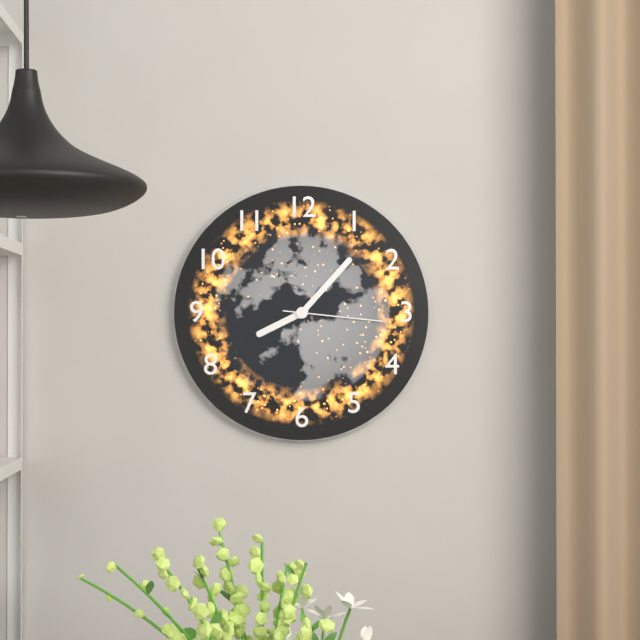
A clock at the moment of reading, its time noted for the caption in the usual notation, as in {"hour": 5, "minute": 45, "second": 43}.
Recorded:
{"hour": 8, "minute": 7, "second": 16}
